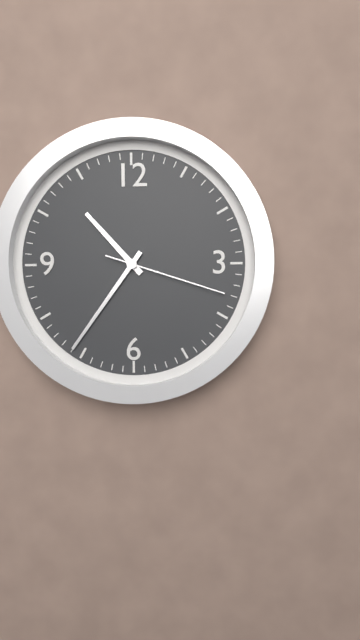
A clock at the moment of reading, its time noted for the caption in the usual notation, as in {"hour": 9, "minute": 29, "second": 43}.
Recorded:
{"hour": 10, "minute": 36, "second": 18}
